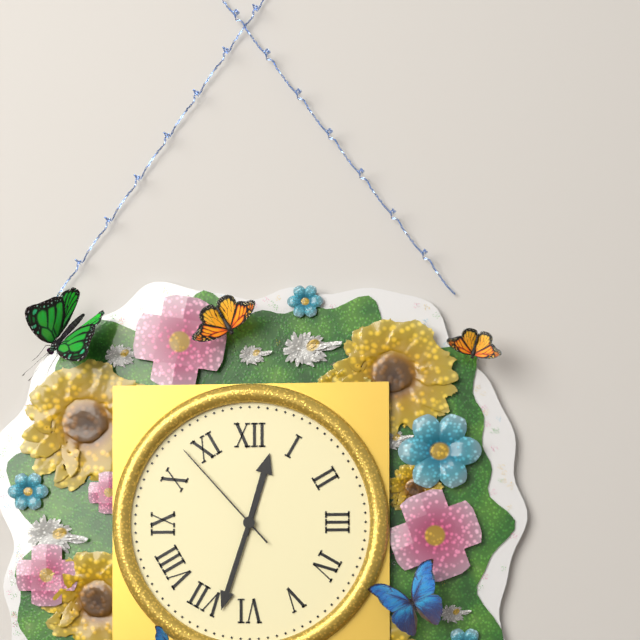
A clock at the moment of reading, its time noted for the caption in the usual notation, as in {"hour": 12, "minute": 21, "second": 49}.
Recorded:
{"hour": 12, "minute": 33, "second": 53}
